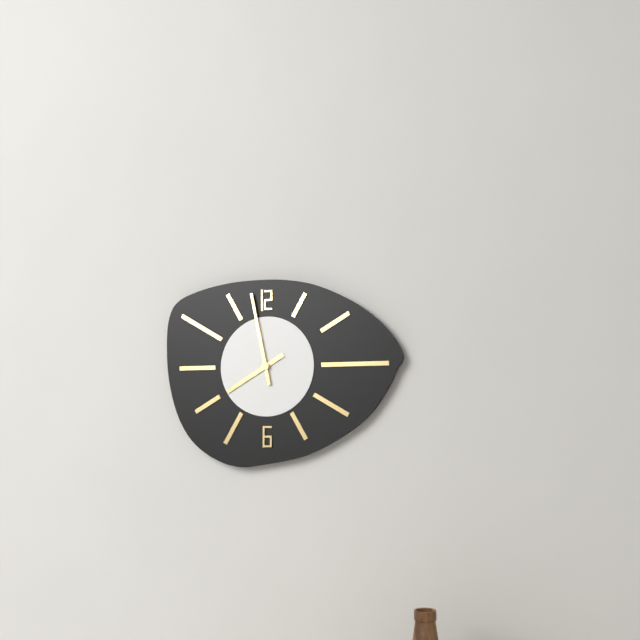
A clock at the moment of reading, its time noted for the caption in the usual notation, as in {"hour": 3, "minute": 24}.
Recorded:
{"hour": 7, "minute": 58}
